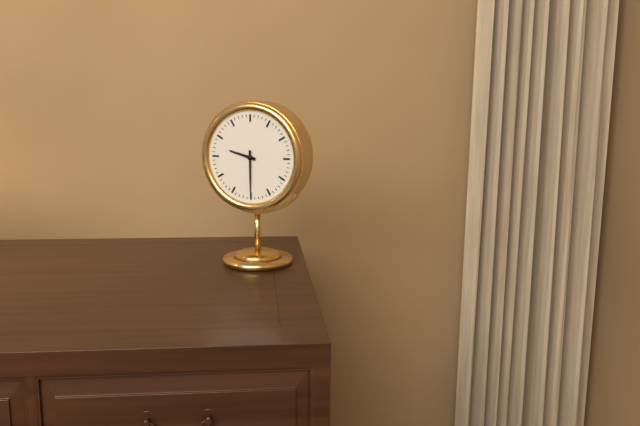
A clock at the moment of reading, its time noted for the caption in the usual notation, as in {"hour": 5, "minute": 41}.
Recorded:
{"hour": 9, "minute": 30}
